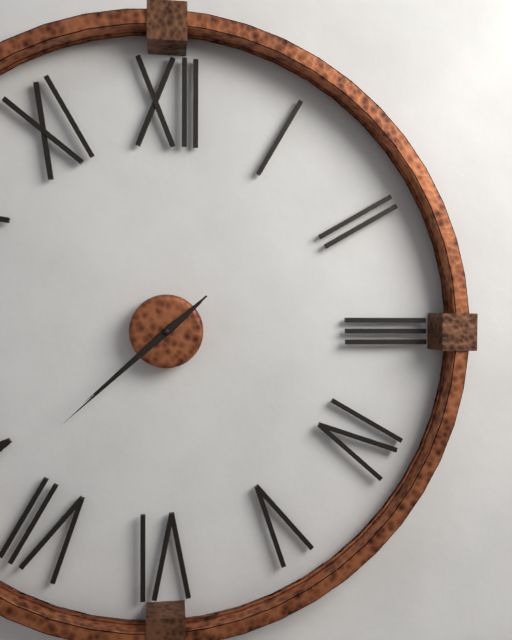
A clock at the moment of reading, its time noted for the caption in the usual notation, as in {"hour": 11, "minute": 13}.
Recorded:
{"hour": 7, "minute": 38}
